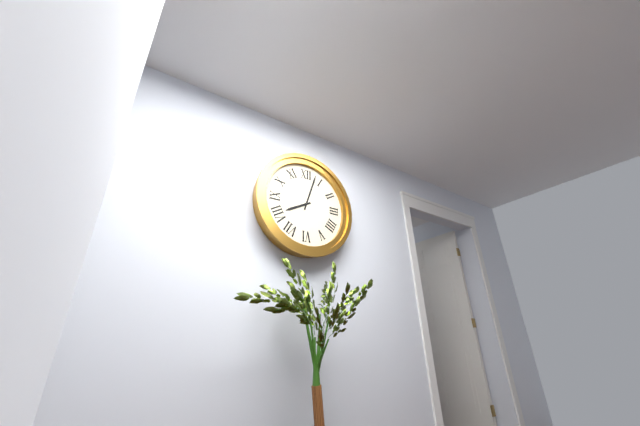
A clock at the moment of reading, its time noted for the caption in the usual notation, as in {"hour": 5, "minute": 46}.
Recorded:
{"hour": 8, "minute": 3}
